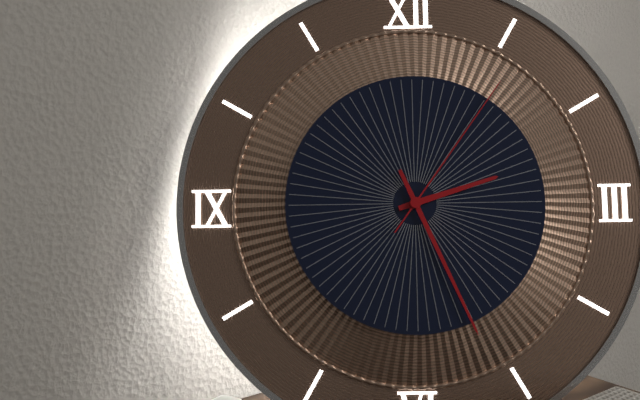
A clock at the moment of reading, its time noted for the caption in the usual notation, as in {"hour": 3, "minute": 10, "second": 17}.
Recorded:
{"hour": 2, "minute": 26, "second": 6}
